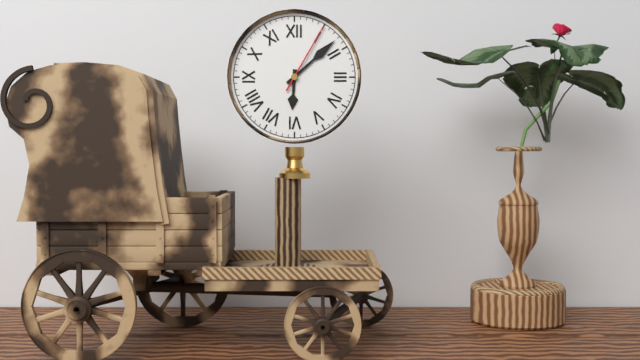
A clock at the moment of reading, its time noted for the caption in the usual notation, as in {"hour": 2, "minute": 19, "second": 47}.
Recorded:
{"hour": 6, "minute": 8, "second": 5}
